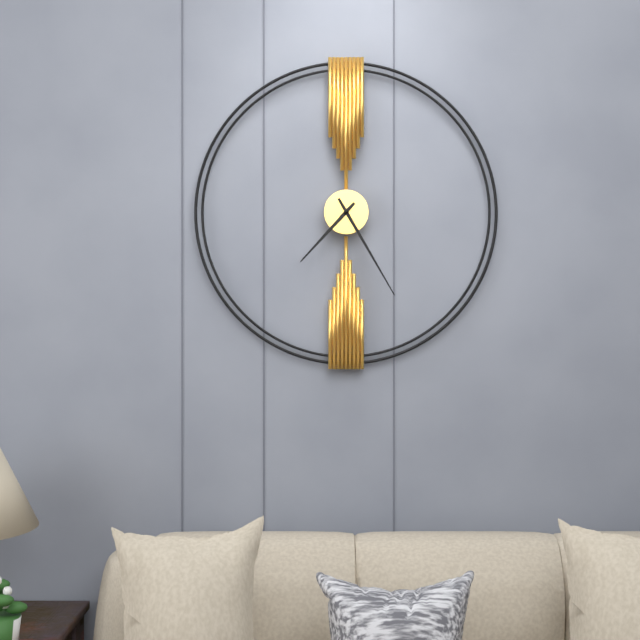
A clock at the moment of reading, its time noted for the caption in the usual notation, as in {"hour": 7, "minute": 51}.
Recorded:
{"hour": 7, "minute": 25}
